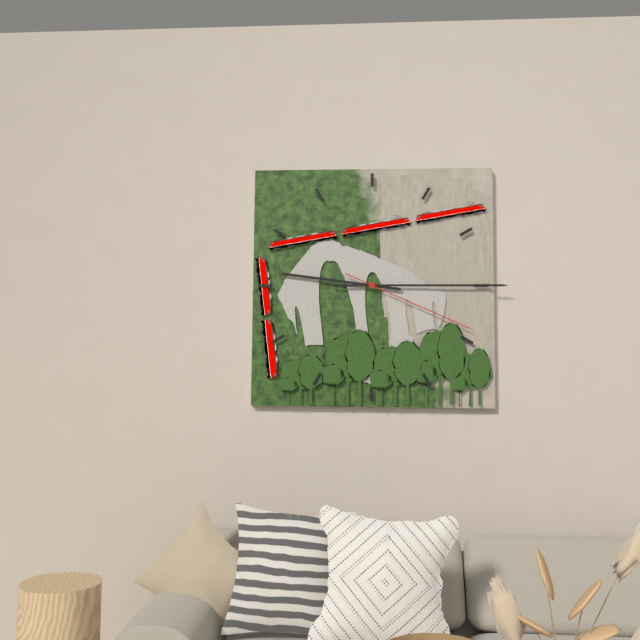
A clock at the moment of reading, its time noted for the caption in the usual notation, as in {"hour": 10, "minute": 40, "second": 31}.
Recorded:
{"hour": 9, "minute": 15, "second": 19}
